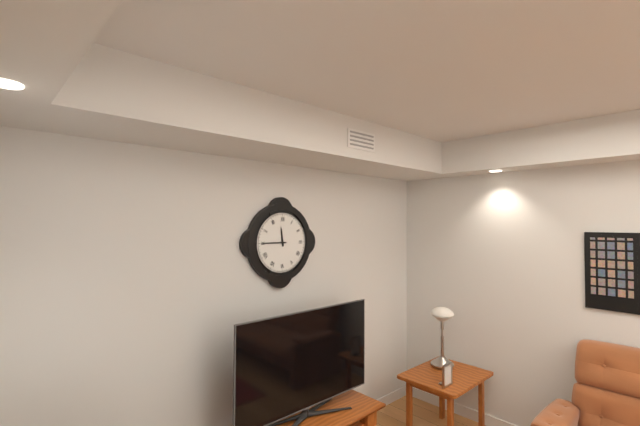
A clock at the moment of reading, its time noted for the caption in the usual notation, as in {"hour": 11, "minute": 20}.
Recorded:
{"hour": 11, "minute": 45}
